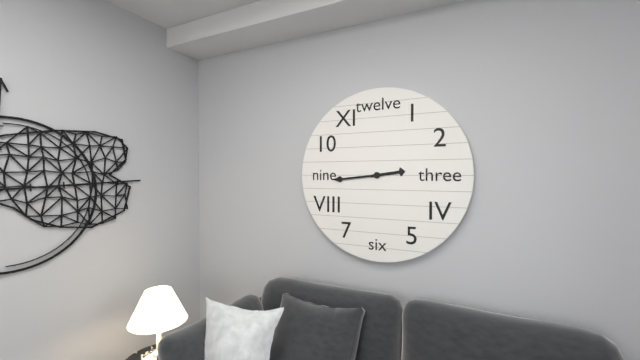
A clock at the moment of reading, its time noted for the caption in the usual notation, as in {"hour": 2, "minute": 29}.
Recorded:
{"hour": 2, "minute": 44}
